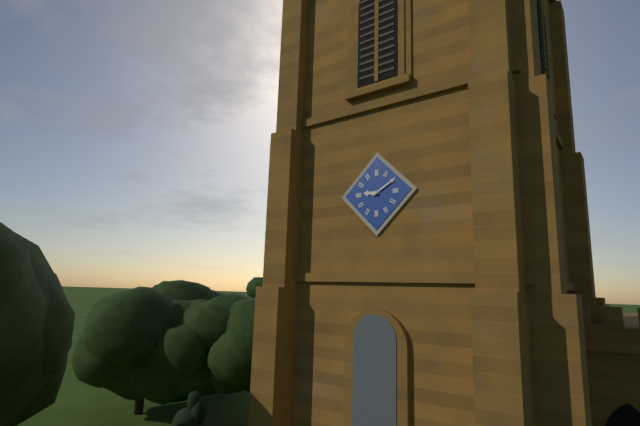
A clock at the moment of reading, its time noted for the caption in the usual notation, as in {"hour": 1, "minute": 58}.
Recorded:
{"hour": 9, "minute": 10}
